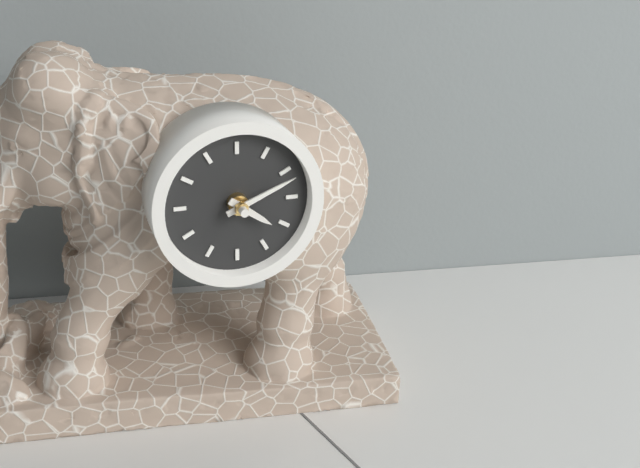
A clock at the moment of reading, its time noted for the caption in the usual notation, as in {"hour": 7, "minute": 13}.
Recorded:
{"hour": 4, "minute": 11}
